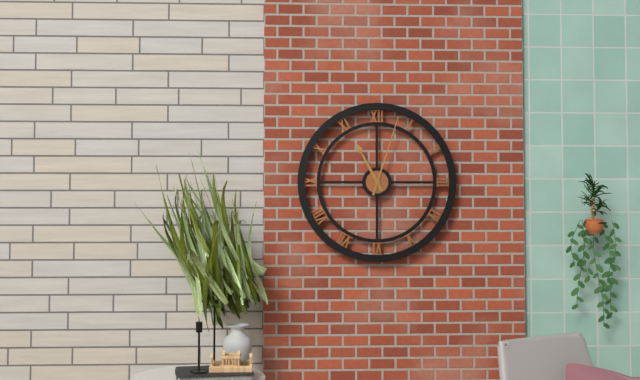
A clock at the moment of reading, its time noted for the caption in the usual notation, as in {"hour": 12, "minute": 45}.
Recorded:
{"hour": 11, "minute": 3}
